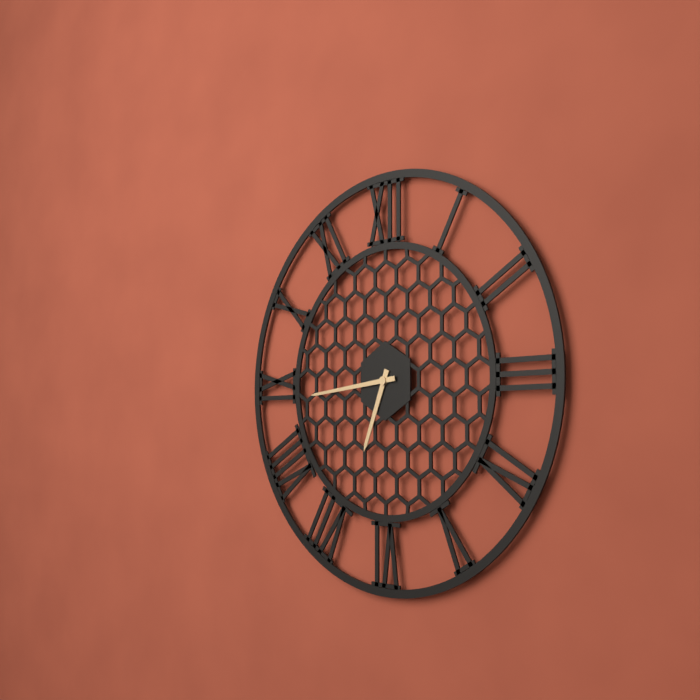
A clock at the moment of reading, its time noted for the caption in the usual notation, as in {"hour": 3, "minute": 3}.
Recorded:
{"hour": 6, "minute": 44}
